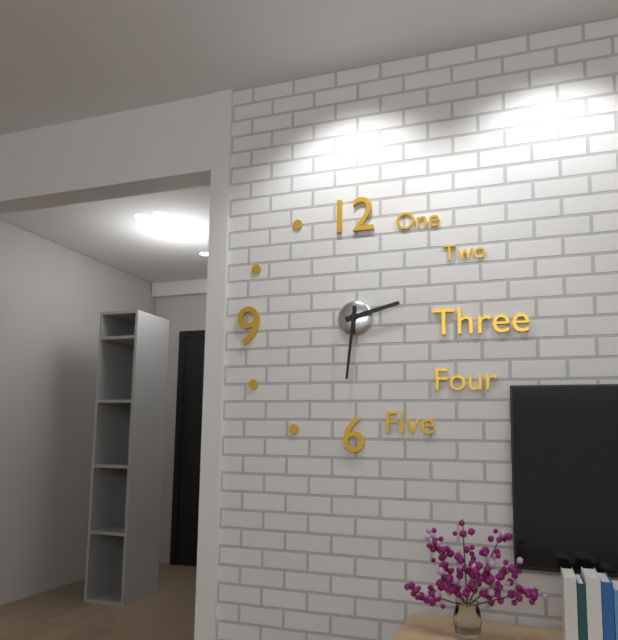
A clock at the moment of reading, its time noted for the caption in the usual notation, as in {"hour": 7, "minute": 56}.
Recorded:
{"hour": 2, "minute": 31}
